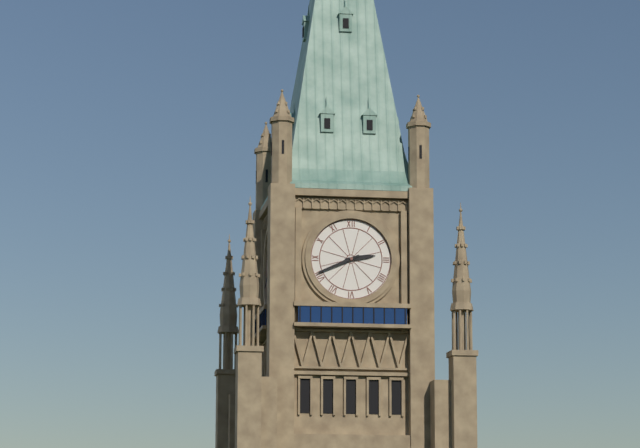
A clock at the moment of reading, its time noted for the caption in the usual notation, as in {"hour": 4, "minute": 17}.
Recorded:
{"hour": 2, "minute": 41}
